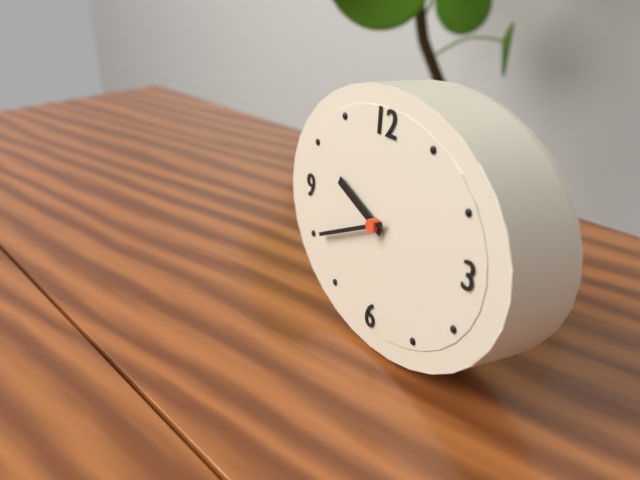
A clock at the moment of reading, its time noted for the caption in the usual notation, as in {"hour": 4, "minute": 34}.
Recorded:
{"hour": 9, "minute": 41}
